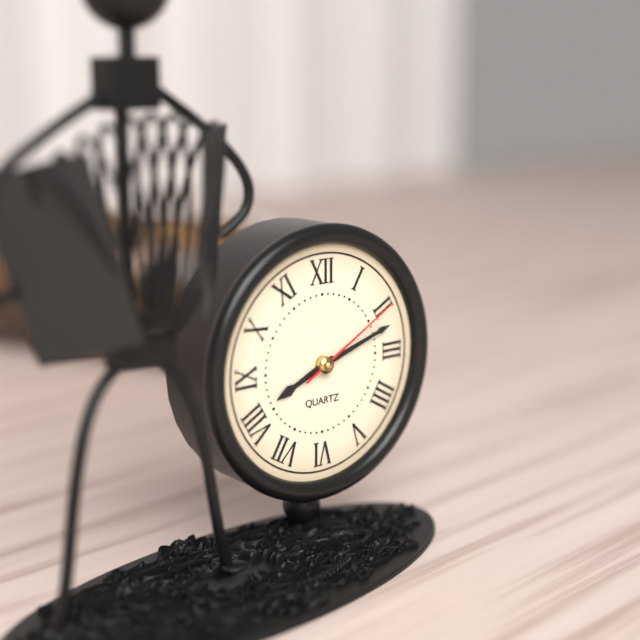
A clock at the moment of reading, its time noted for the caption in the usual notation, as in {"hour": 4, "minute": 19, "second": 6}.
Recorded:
{"hour": 8, "minute": 12, "second": 10}
